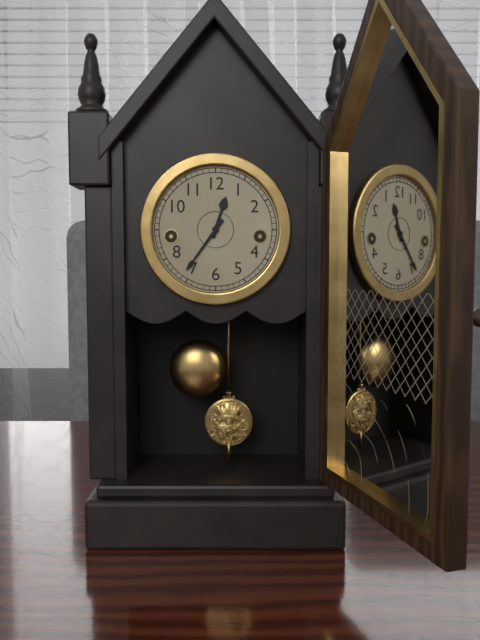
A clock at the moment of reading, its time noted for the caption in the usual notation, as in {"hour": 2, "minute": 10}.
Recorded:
{"hour": 12, "minute": 36}
